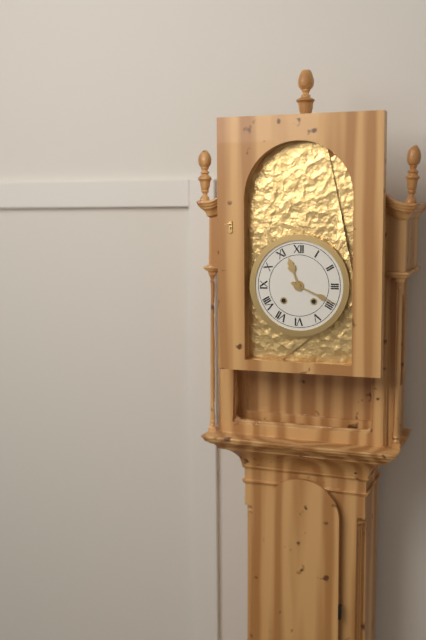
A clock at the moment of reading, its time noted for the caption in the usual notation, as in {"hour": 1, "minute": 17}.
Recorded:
{"hour": 11, "minute": 19}
